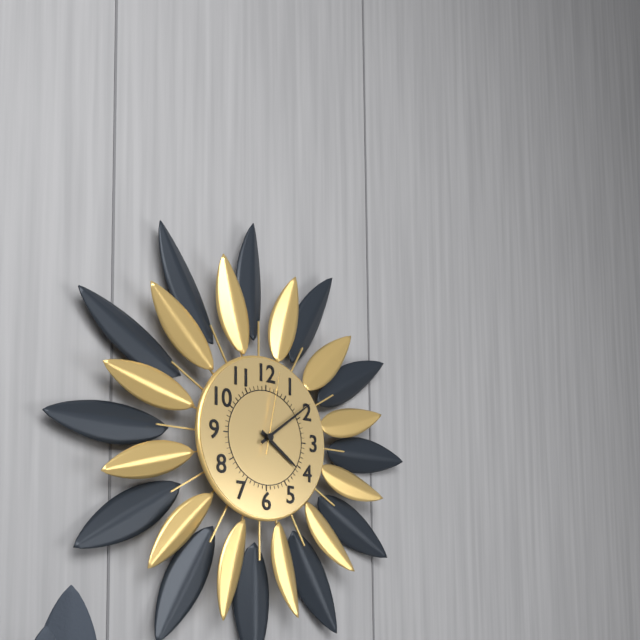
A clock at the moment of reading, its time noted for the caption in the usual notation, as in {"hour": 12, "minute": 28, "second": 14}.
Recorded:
{"hour": 4, "minute": 9, "second": 2}
